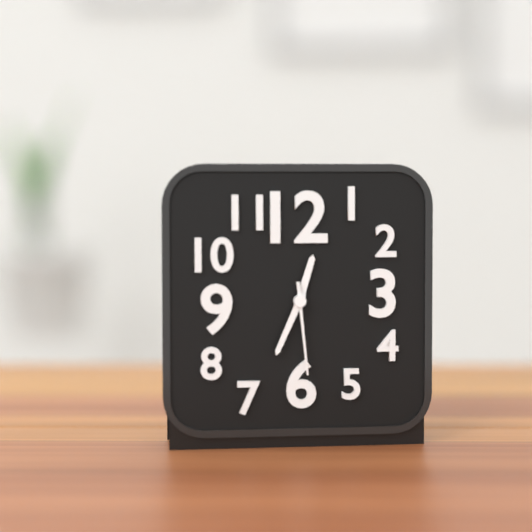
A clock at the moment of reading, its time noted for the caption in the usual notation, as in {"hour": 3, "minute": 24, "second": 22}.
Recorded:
{"hour": 12, "minute": 34, "second": 29}
